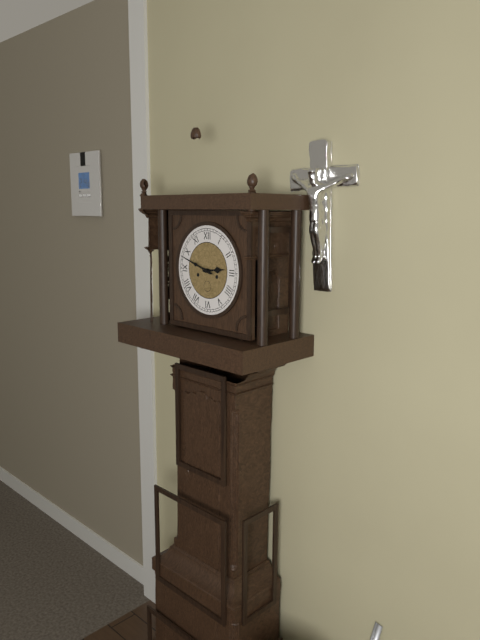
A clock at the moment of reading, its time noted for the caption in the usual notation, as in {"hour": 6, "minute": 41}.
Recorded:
{"hour": 2, "minute": 48}
